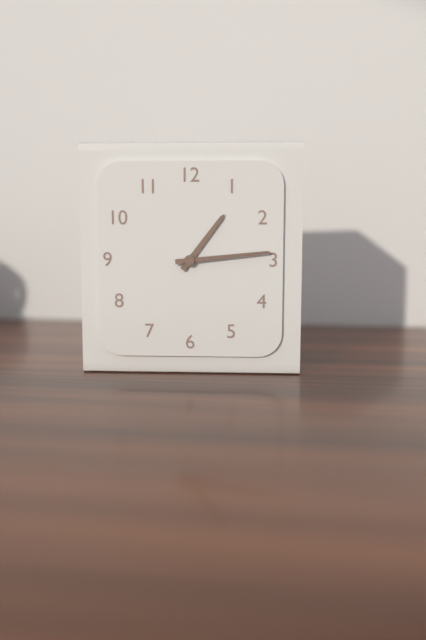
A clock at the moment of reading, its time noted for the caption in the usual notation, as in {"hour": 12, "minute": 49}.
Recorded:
{"hour": 1, "minute": 14}
